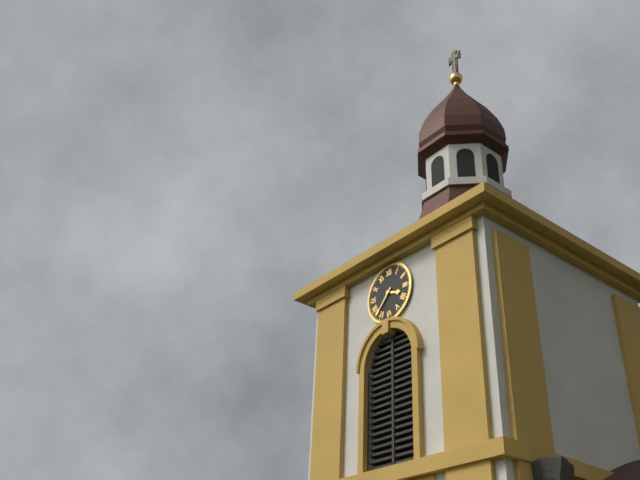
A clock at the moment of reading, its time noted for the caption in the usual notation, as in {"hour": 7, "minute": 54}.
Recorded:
{"hour": 3, "minute": 37}
